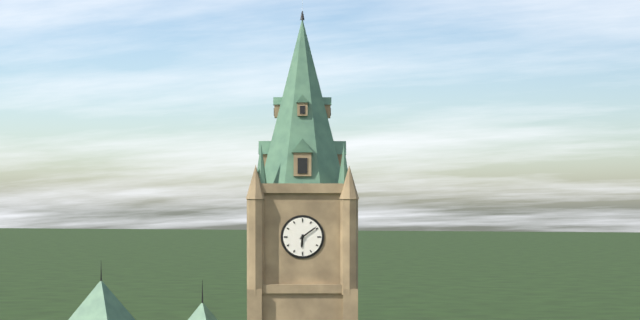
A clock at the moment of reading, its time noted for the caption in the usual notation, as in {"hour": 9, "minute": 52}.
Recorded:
{"hour": 6, "minute": 9}
